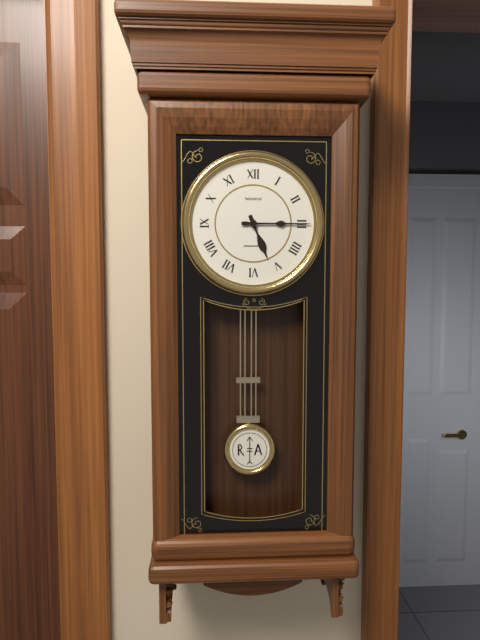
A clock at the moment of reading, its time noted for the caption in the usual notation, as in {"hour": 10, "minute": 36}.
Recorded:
{"hour": 5, "minute": 15}
